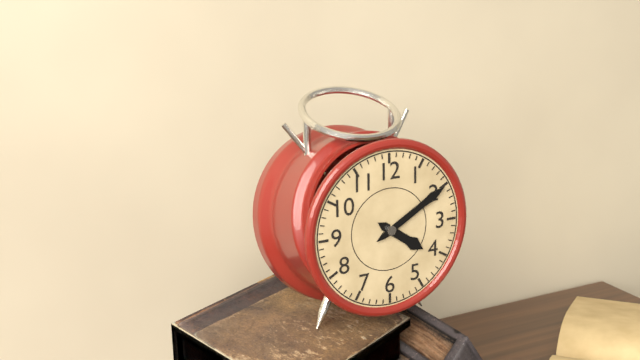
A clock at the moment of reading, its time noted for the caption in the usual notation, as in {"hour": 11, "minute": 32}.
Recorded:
{"hour": 4, "minute": 10}
